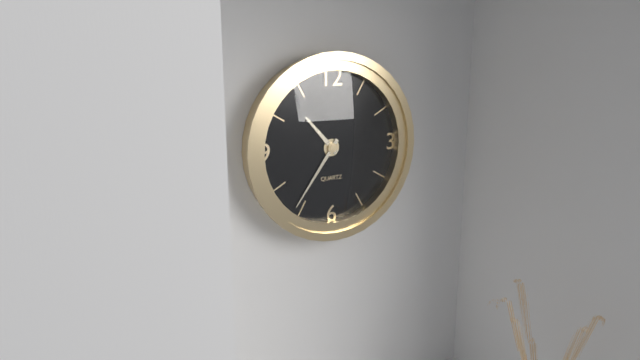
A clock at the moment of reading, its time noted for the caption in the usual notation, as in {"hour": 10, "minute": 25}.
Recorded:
{"hour": 10, "minute": 36}
